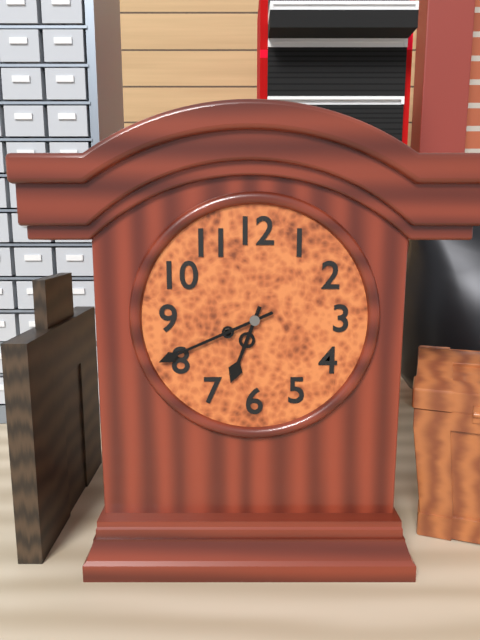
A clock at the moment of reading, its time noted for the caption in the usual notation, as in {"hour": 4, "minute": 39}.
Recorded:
{"hour": 6, "minute": 41}
